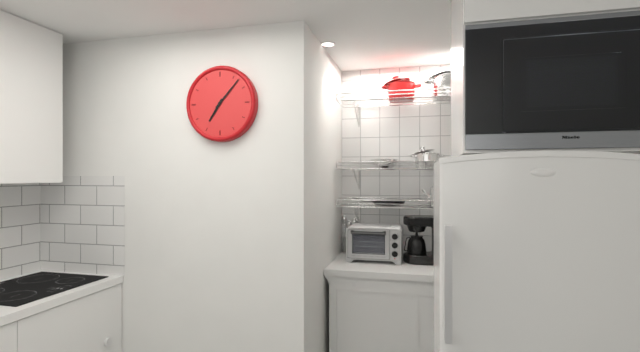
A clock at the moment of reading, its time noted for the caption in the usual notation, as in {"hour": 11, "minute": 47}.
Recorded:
{"hour": 7, "minute": 7}
